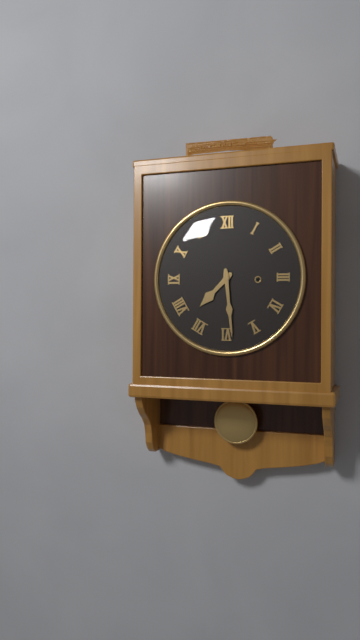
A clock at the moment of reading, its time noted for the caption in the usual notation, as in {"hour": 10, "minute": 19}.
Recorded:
{"hour": 7, "minute": 29}
